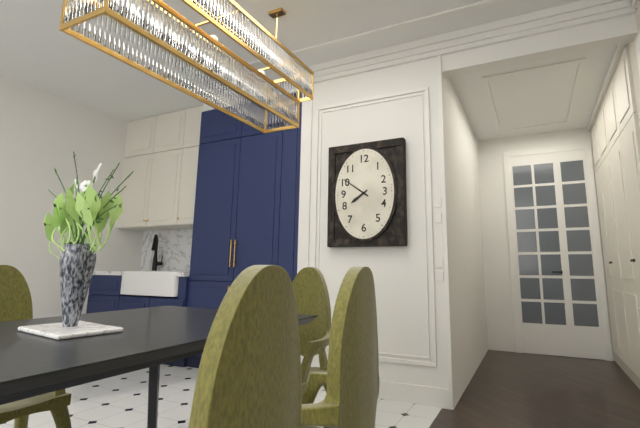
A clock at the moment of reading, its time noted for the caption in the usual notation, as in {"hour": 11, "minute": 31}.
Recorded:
{"hour": 7, "minute": 51}
